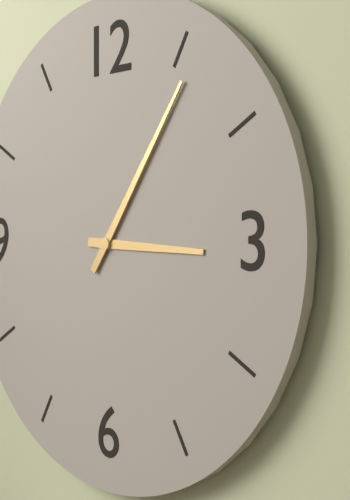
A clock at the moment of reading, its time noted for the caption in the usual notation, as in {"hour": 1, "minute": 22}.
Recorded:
{"hour": 3, "minute": 6}
